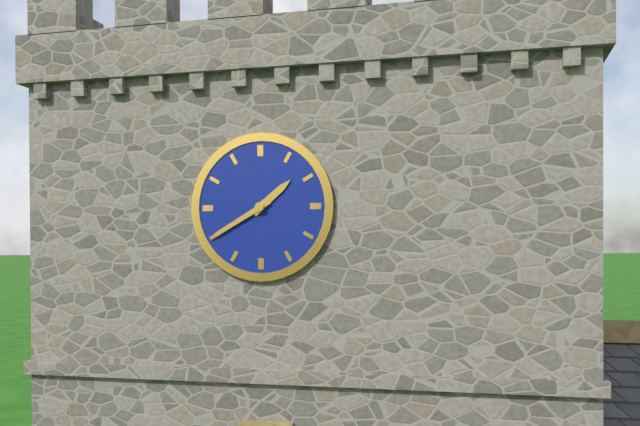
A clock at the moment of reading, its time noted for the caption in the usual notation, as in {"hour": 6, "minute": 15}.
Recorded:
{"hour": 1, "minute": 40}
